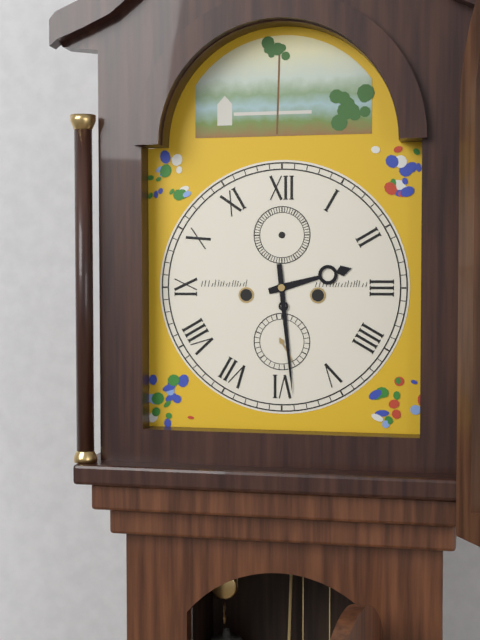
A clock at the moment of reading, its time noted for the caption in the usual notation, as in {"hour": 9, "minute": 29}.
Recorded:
{"hour": 2, "minute": 29}
